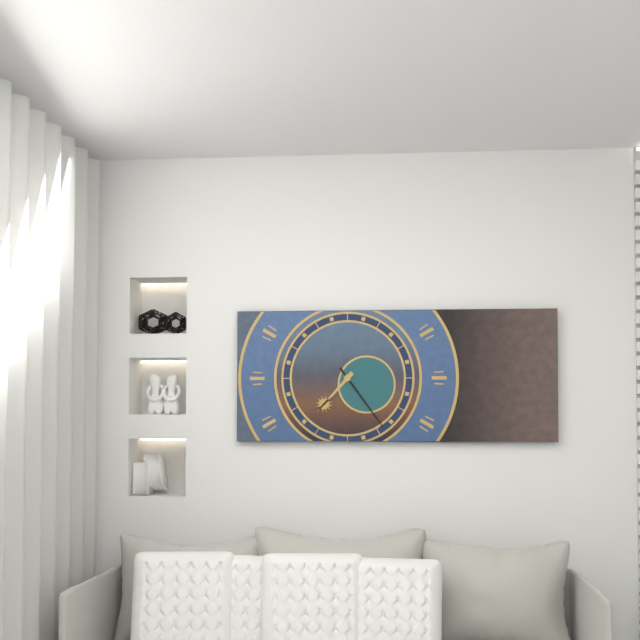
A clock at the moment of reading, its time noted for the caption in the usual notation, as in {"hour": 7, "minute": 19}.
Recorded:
{"hour": 7, "minute": 24}
